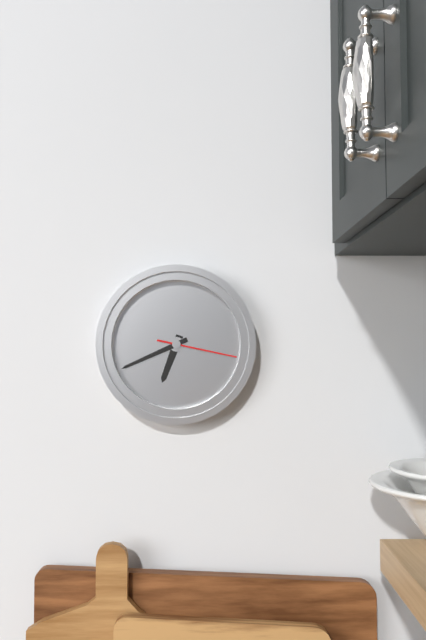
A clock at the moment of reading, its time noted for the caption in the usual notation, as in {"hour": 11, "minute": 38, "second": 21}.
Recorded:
{"hour": 6, "minute": 41, "second": 17}
